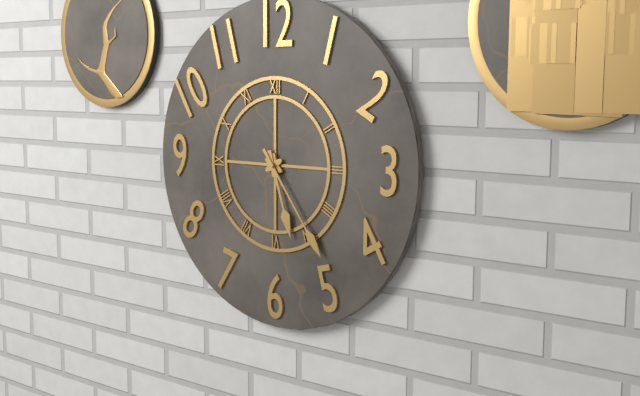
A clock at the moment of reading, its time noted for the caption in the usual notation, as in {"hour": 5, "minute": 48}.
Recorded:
{"hour": 5, "minute": 24}
